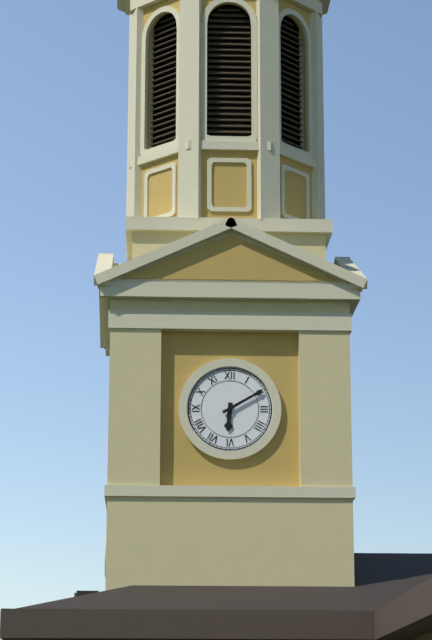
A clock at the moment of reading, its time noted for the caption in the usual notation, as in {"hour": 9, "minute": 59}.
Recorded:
{"hour": 6, "minute": 10}
